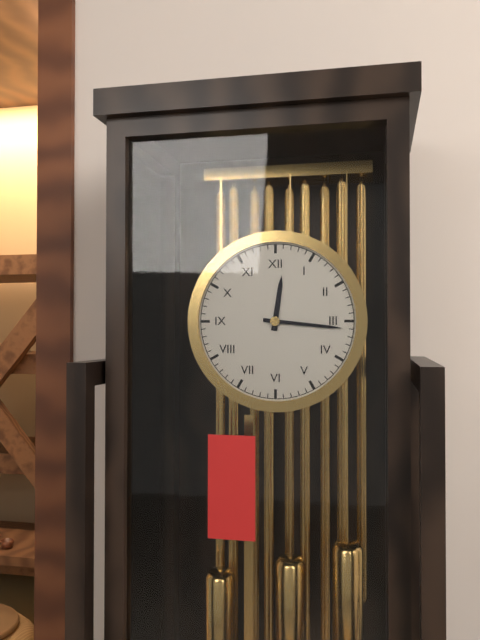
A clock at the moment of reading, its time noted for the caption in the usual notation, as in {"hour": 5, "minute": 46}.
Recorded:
{"hour": 12, "minute": 16}
